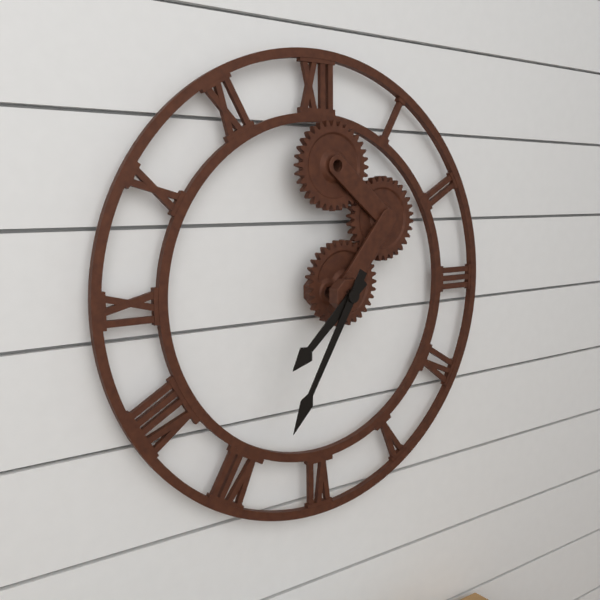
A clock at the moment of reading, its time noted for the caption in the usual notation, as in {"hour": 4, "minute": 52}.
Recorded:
{"hour": 7, "minute": 35}
